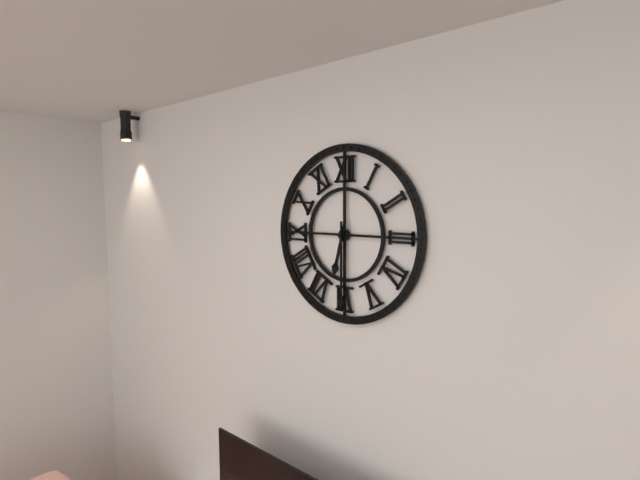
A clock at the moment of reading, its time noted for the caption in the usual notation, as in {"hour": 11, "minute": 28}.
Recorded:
{"hour": 6, "minute": 30}
